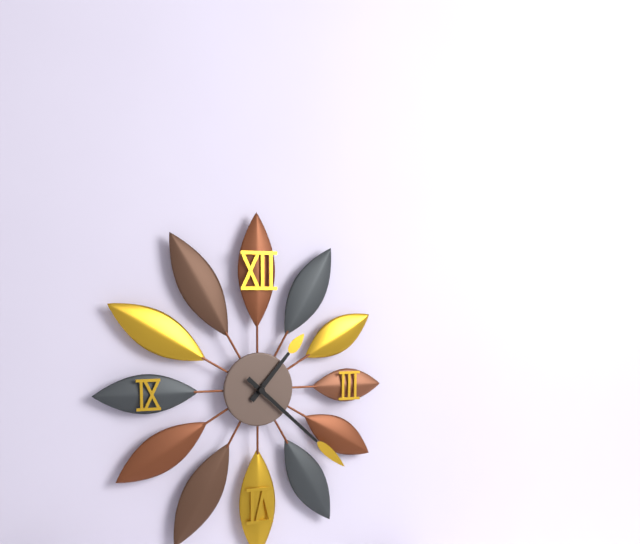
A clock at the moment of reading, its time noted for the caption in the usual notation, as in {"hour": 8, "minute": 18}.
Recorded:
{"hour": 1, "minute": 22}
